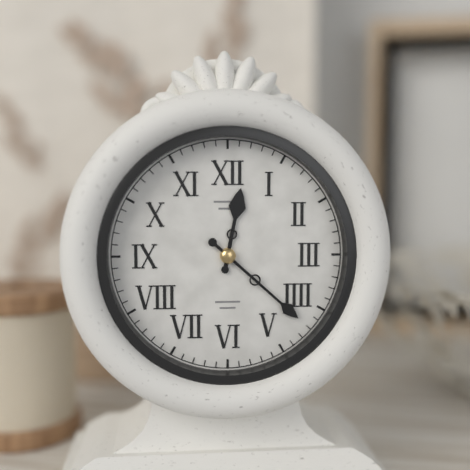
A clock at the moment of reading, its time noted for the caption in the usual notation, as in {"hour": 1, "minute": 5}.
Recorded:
{"hour": 12, "minute": 22}
